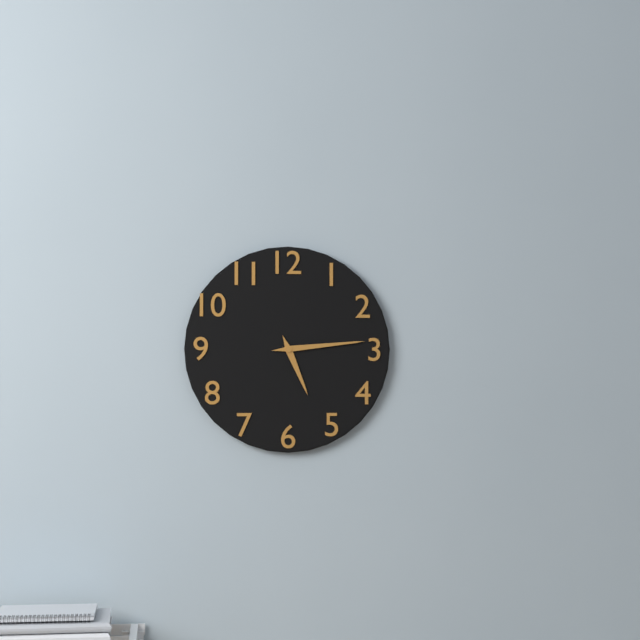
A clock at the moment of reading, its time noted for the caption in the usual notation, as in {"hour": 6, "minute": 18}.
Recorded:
{"hour": 5, "minute": 14}
